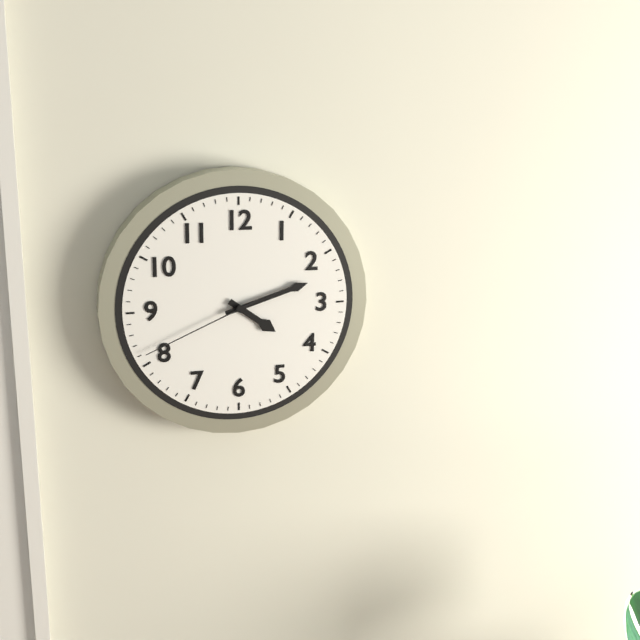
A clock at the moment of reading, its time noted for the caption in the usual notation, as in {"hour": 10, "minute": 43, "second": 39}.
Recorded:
{"hour": 4, "minute": 12, "second": 41}
